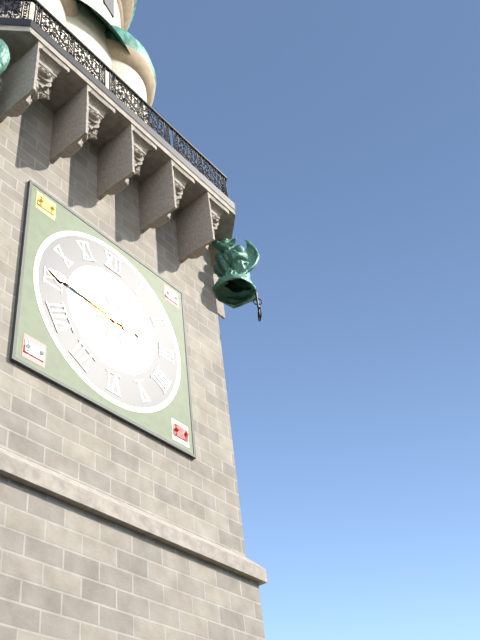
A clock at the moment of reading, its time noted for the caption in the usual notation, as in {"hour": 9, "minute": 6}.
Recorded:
{"hour": 2, "minute": 46}
